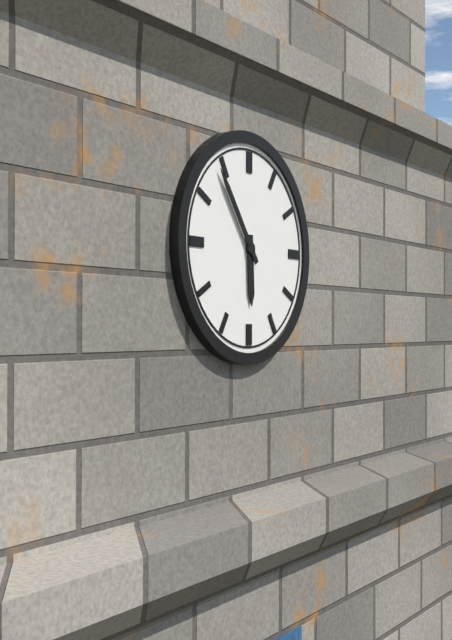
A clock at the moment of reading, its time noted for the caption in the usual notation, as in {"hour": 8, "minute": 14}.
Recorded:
{"hour": 5, "minute": 54}
